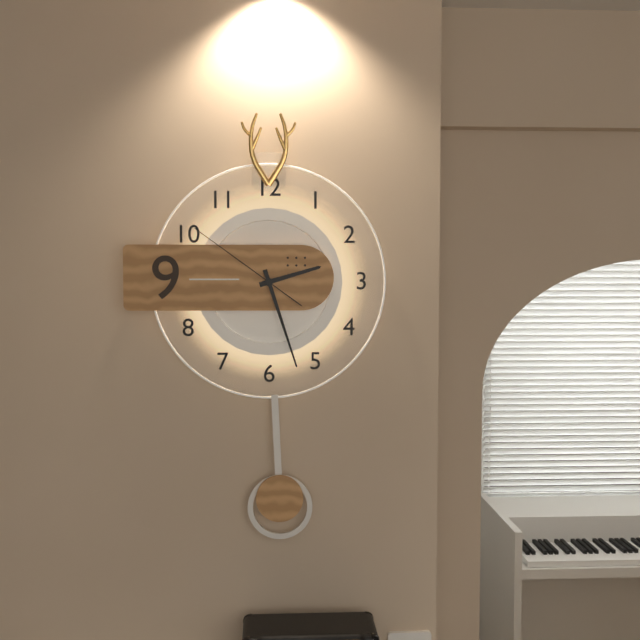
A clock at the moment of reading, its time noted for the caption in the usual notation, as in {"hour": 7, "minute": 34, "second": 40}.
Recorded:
{"hour": 2, "minute": 27, "second": 51}
